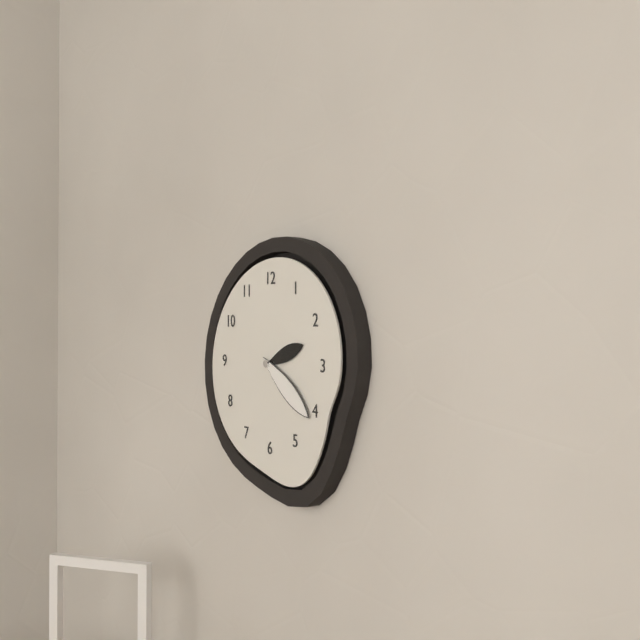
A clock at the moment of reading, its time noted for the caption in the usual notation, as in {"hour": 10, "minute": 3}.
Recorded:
{"hour": 2, "minute": 21}
